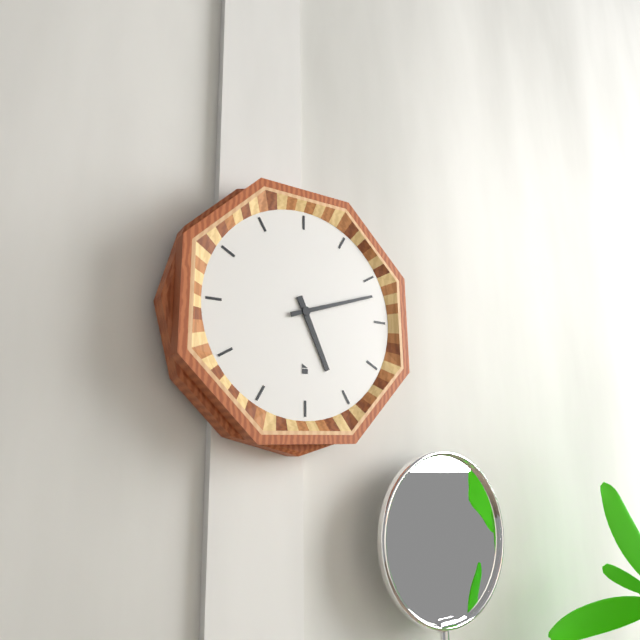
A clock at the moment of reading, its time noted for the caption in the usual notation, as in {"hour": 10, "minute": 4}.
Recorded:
{"hour": 5, "minute": 12}
